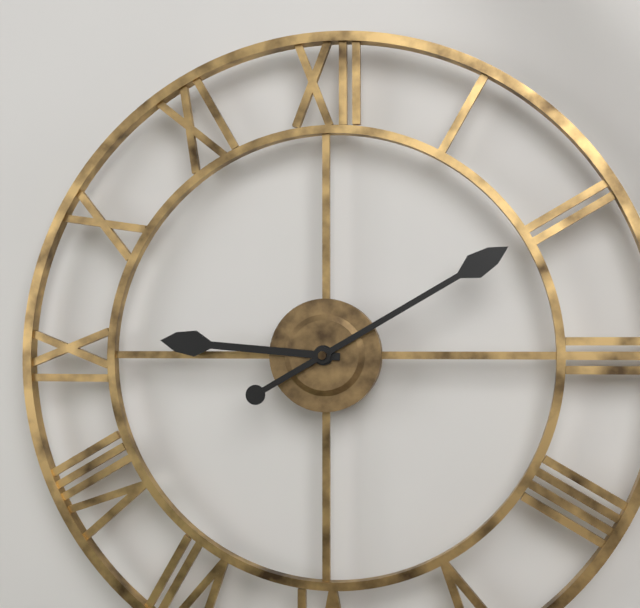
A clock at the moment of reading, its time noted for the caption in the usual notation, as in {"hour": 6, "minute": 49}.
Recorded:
{"hour": 9, "minute": 10}
